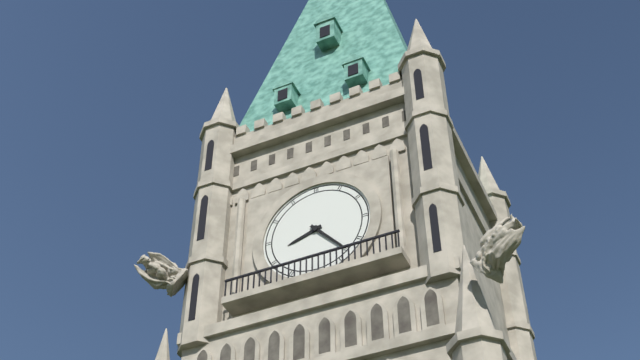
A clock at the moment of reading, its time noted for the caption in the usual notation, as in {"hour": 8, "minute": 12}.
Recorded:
{"hour": 8, "minute": 23}
